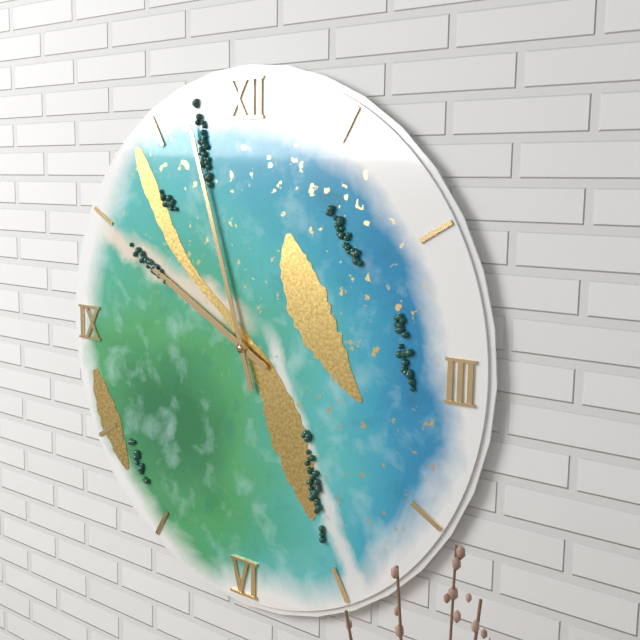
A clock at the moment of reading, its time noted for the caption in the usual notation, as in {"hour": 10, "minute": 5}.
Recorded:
{"hour": 9, "minute": 57}
